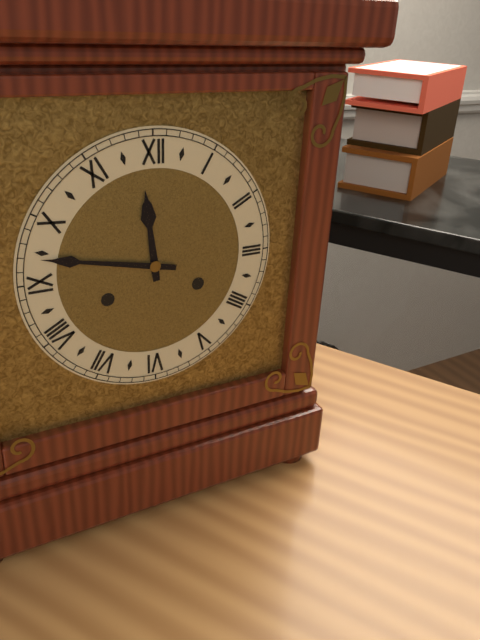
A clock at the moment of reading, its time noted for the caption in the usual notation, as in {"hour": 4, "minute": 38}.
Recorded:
{"hour": 11, "minute": 47}
